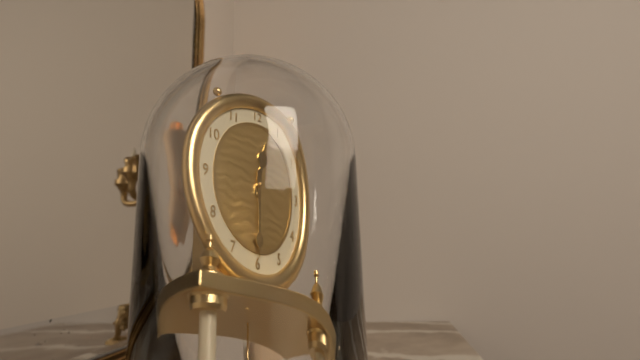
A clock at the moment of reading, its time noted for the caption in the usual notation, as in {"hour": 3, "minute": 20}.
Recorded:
{"hour": 12, "minute": 30}
